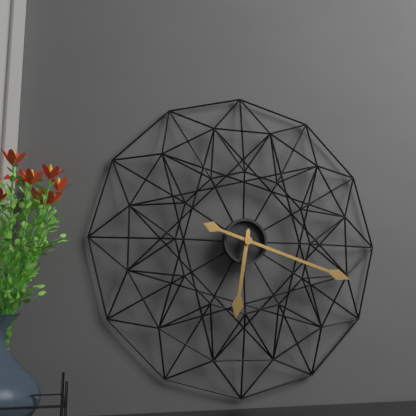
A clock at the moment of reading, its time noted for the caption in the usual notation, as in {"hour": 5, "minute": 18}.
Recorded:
{"hour": 6, "minute": 18}
